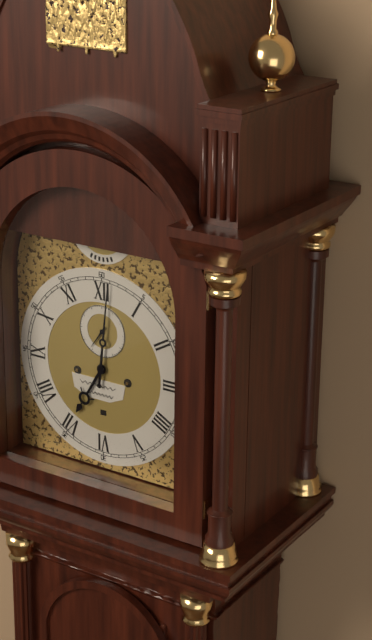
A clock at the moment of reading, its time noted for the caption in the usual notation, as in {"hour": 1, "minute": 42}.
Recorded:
{"hour": 7, "minute": 1}
